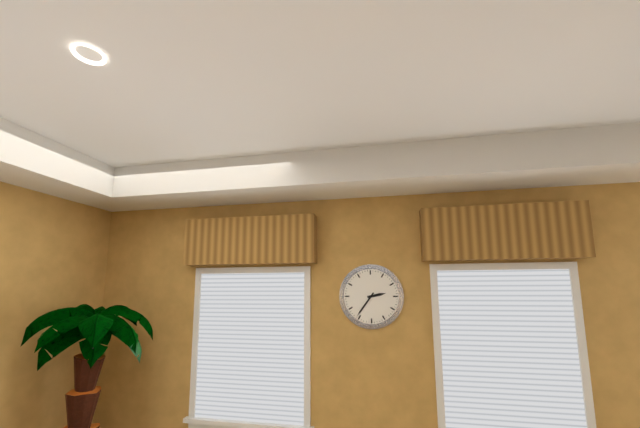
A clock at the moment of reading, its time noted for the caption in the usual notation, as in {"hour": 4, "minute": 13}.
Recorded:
{"hour": 2, "minute": 36}
